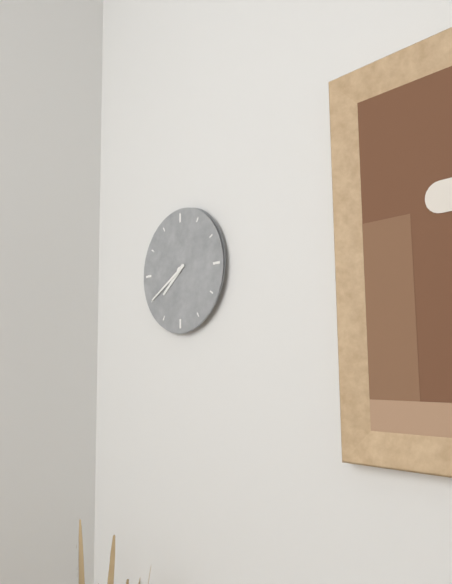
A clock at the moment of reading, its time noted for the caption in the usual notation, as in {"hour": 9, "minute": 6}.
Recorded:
{"hour": 7, "minute": 40}
